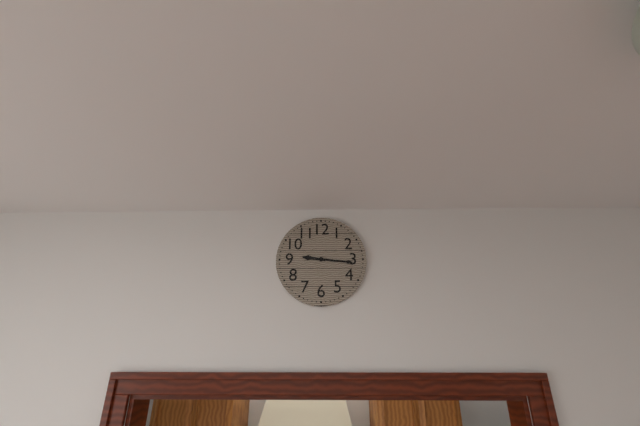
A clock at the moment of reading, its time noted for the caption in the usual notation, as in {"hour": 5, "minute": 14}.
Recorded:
{"hour": 9, "minute": 16}
